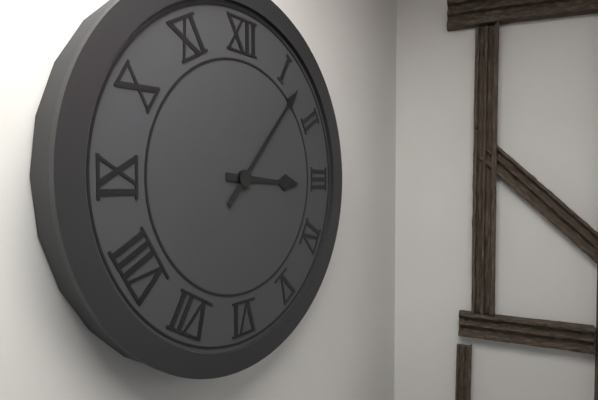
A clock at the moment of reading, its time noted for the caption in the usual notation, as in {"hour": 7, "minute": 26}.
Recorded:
{"hour": 3, "minute": 7}
